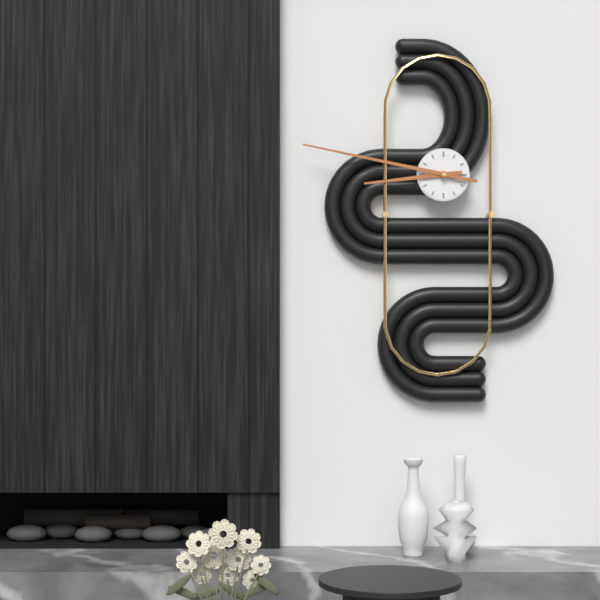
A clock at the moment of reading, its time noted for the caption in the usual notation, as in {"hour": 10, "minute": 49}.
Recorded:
{"hour": 8, "minute": 47}
